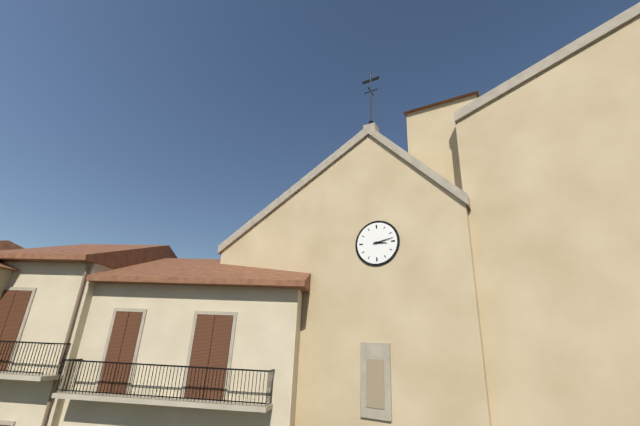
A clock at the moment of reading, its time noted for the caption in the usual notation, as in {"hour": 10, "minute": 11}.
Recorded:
{"hour": 3, "minute": 13}
